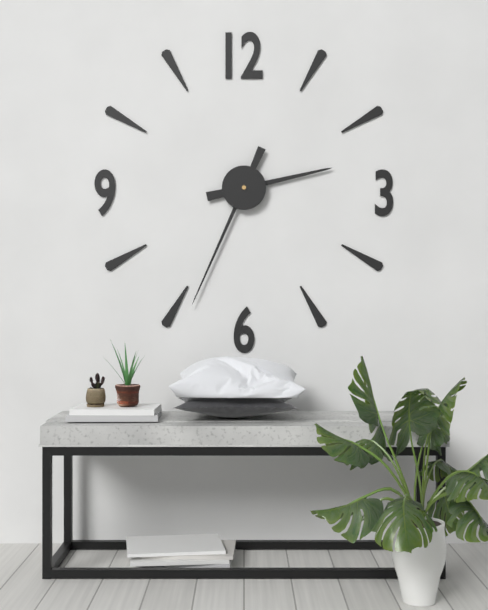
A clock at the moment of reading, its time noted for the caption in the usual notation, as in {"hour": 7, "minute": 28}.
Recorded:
{"hour": 2, "minute": 34}
